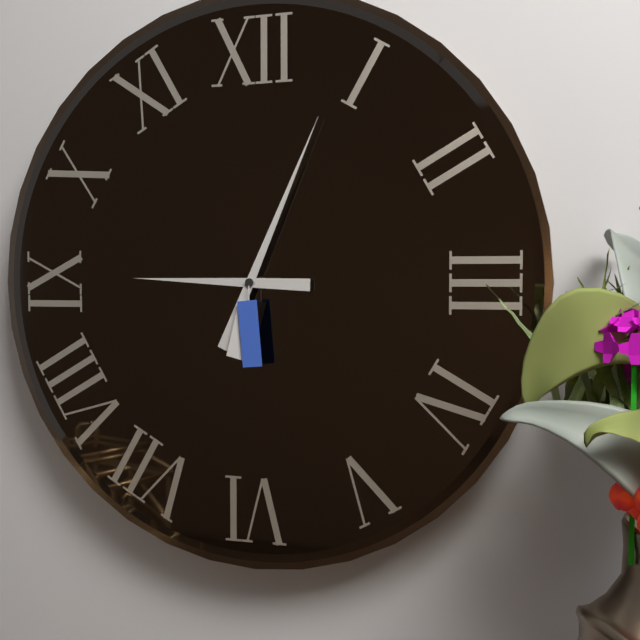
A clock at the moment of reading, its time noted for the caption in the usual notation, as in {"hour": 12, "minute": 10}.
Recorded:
{"hour": 9, "minute": 4}
